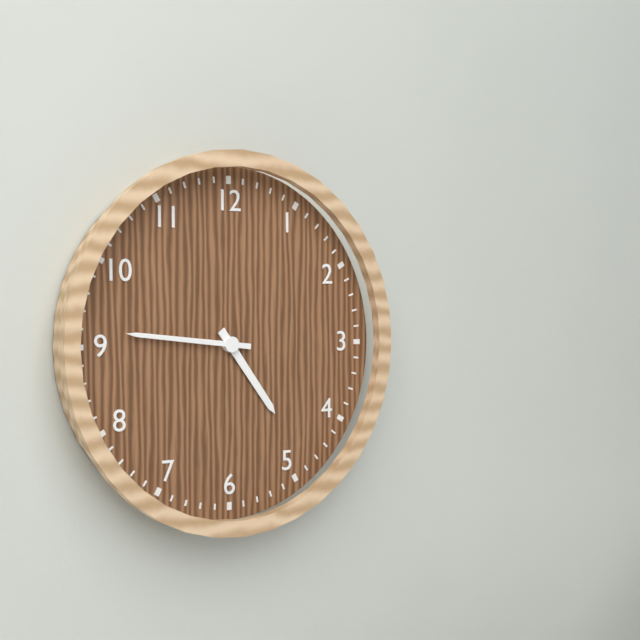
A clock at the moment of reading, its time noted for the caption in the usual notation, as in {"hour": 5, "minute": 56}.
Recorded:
{"hour": 4, "minute": 46}
